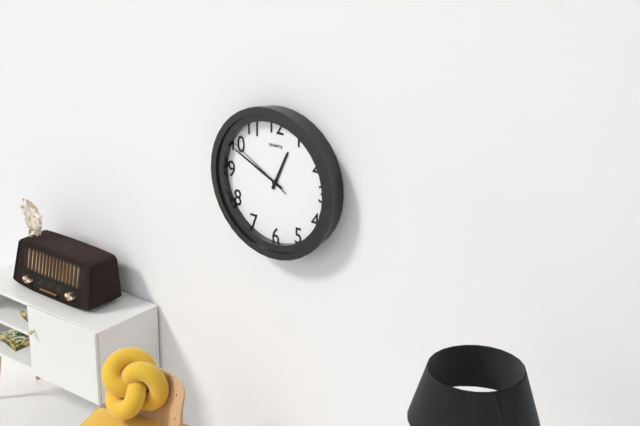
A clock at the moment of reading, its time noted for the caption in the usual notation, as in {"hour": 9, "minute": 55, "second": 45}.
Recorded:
{"hour": 12, "minute": 49, "second": 50}
